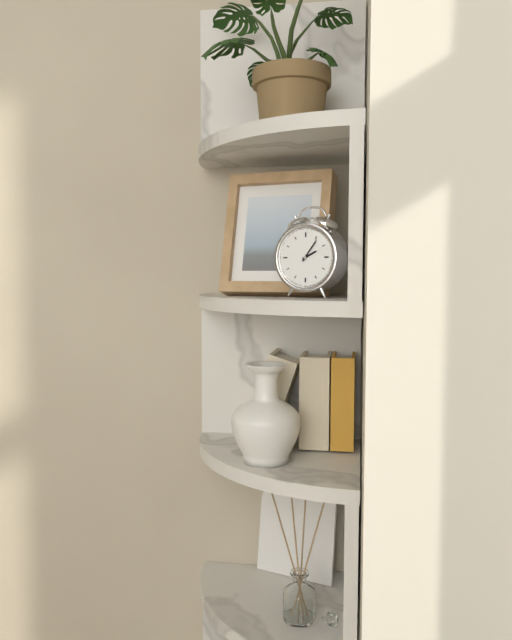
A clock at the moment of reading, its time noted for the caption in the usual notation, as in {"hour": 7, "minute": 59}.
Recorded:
{"hour": 2, "minute": 6}
